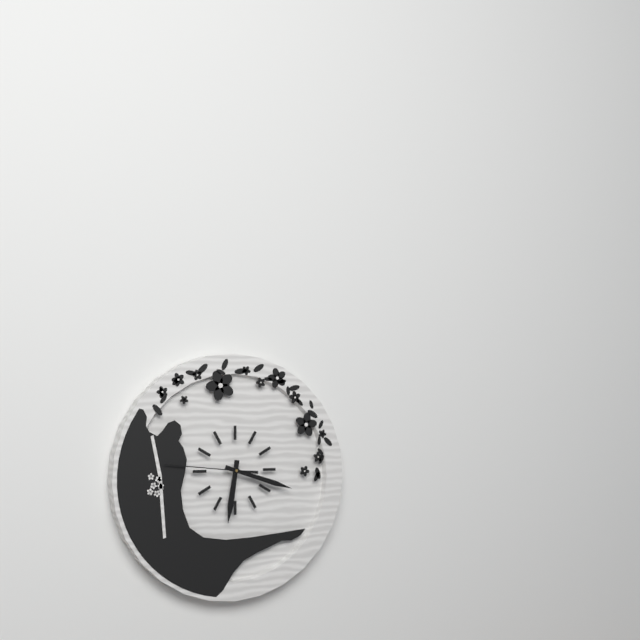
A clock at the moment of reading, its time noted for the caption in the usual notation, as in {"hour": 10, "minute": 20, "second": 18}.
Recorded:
{"hour": 6, "minute": 18, "second": 46}
